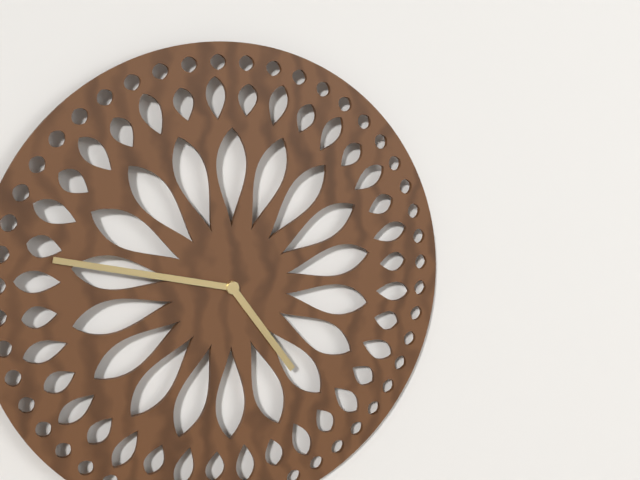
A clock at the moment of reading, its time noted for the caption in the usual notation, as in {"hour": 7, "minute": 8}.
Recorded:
{"hour": 4, "minute": 47}
